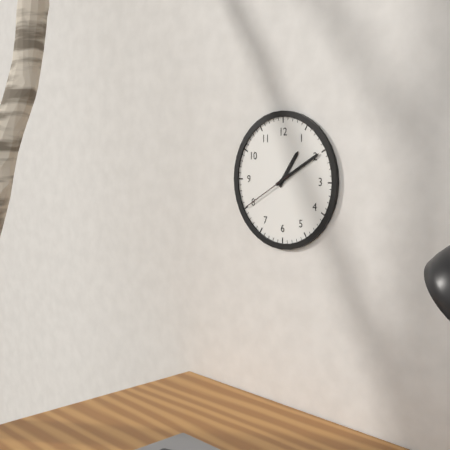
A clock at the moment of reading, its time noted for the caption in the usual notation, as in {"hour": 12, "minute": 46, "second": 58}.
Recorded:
{"hour": 1, "minute": 10, "second": 40}
